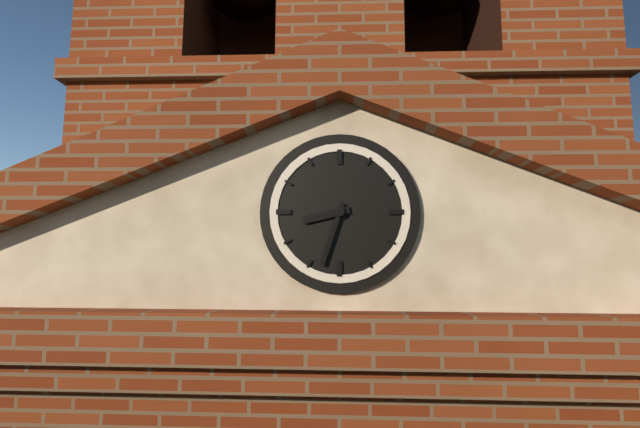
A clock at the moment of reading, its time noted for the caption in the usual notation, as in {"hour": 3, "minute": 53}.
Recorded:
{"hour": 8, "minute": 33}
